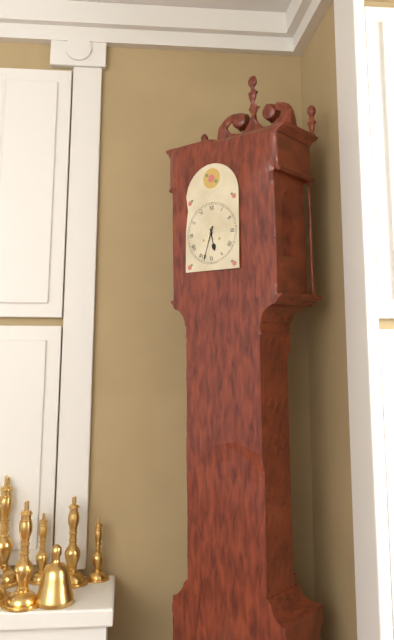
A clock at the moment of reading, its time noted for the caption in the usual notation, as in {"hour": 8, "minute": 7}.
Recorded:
{"hour": 5, "minute": 33}
